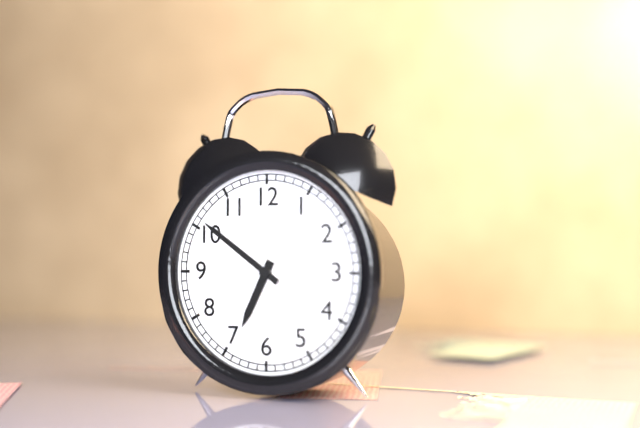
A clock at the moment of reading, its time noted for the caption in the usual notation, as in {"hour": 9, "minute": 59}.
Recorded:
{"hour": 6, "minute": 51}
